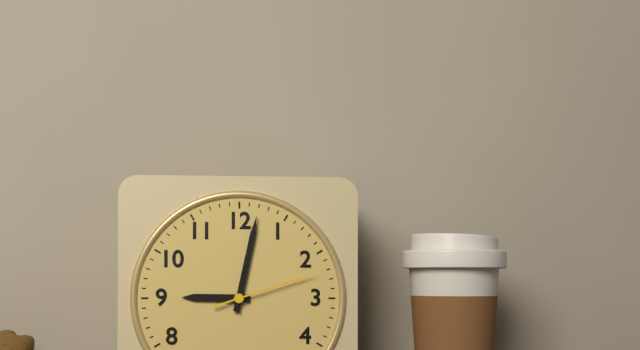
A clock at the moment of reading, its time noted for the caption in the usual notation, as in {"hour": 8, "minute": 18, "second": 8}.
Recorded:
{"hour": 9, "minute": 2, "second": 12}
